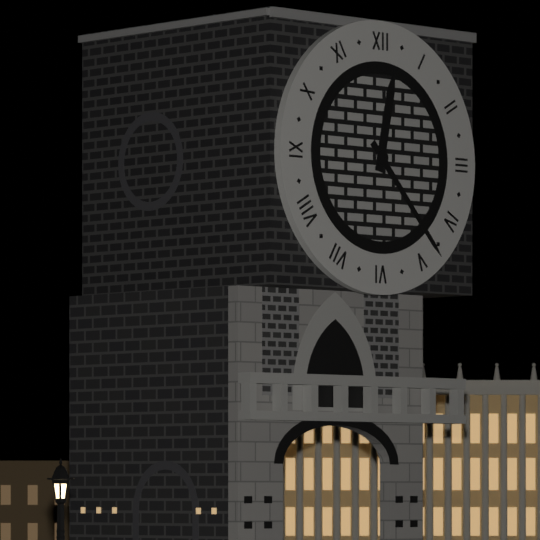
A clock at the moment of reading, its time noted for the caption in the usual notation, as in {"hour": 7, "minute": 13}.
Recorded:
{"hour": 12, "minute": 23}
